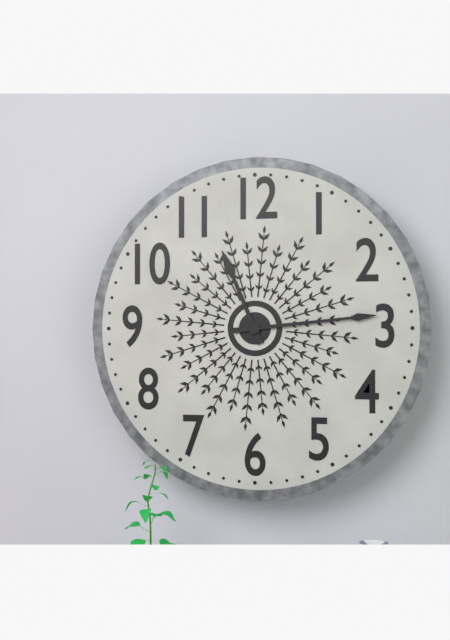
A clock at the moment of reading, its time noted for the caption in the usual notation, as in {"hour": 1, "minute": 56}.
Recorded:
{"hour": 11, "minute": 14}
